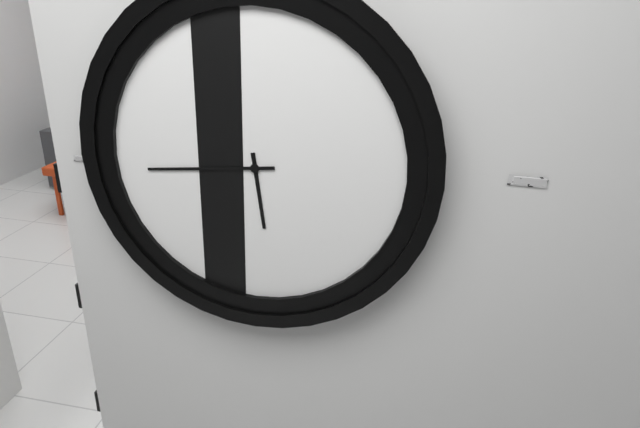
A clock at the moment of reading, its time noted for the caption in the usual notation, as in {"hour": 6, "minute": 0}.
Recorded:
{"hour": 5, "minute": 44}
